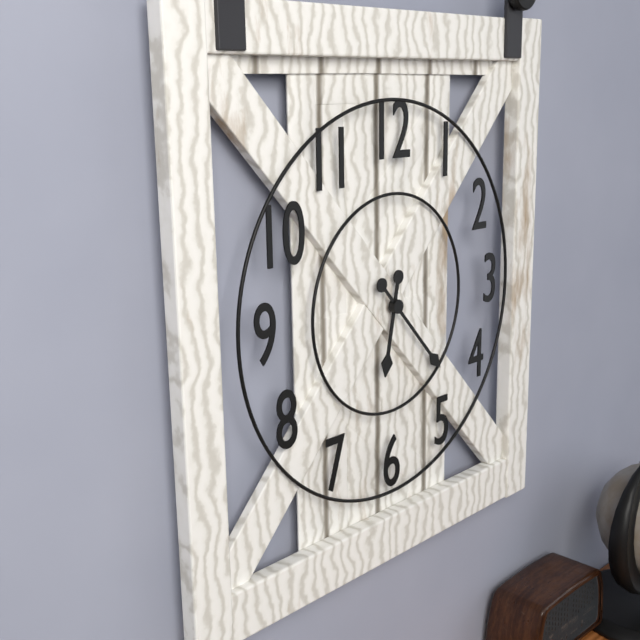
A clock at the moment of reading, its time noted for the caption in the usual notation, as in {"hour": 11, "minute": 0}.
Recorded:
{"hour": 6, "minute": 23}
